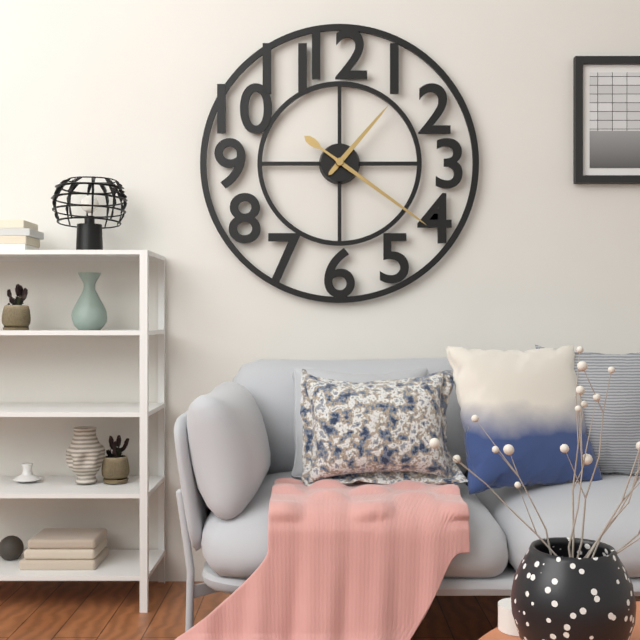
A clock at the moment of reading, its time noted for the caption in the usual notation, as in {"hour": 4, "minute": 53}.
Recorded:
{"hour": 1, "minute": 21}
